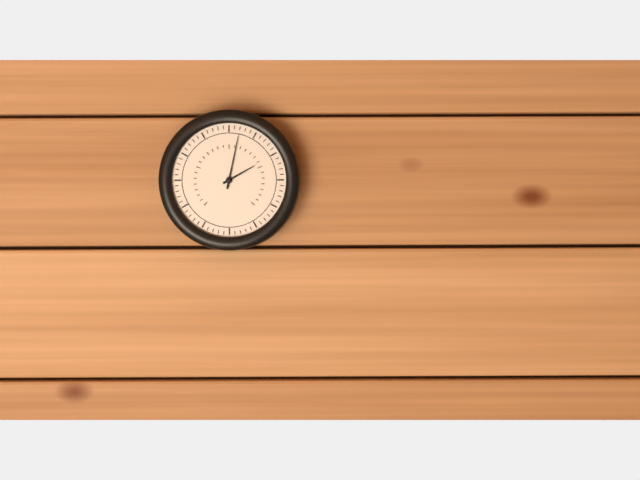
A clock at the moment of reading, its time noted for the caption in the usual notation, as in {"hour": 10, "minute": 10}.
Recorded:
{"hour": 2, "minute": 2}
